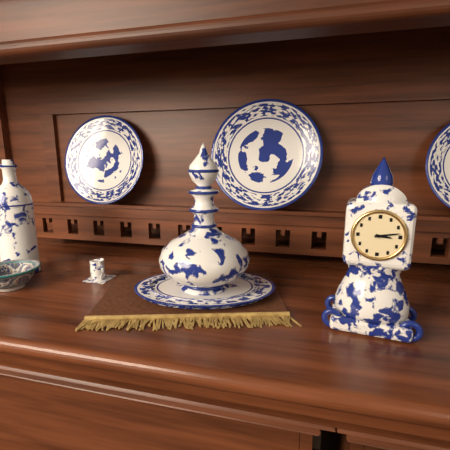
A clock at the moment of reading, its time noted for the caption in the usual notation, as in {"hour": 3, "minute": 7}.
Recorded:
{"hour": 3, "minute": 13}
